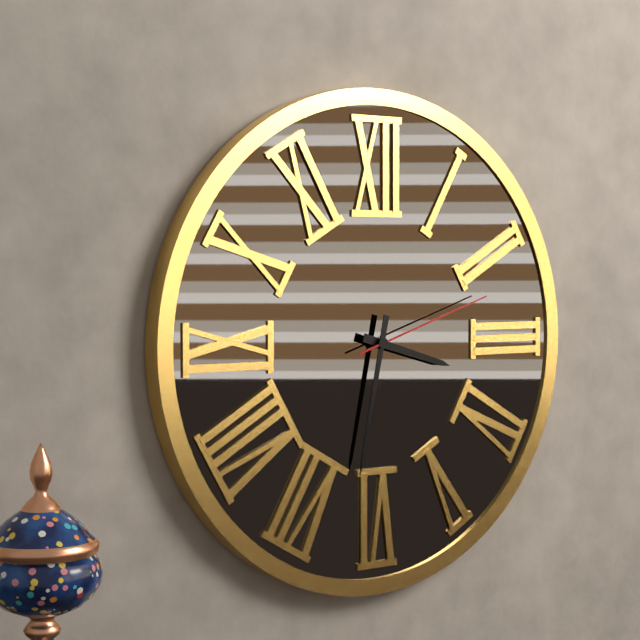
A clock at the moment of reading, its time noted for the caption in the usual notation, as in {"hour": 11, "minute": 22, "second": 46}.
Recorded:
{"hour": 3, "minute": 32, "second": 12}
